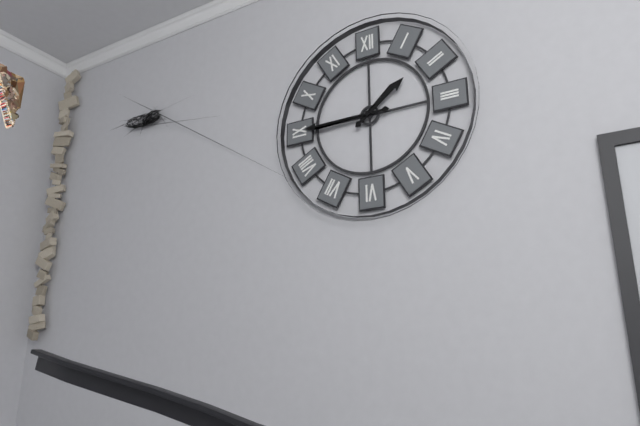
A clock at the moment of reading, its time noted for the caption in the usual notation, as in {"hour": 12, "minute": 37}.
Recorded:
{"hour": 1, "minute": 45}
